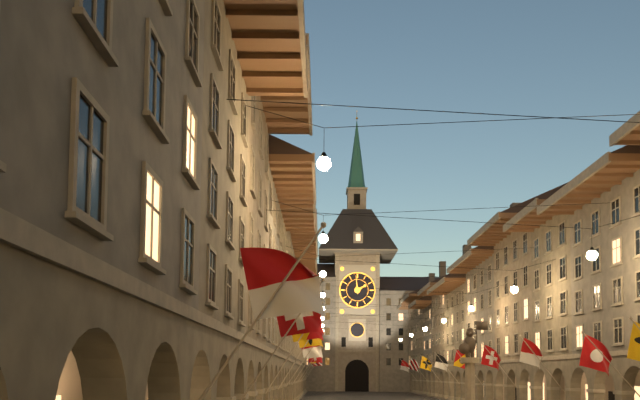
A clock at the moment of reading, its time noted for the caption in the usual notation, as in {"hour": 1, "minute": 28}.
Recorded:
{"hour": 1, "minute": 59}
